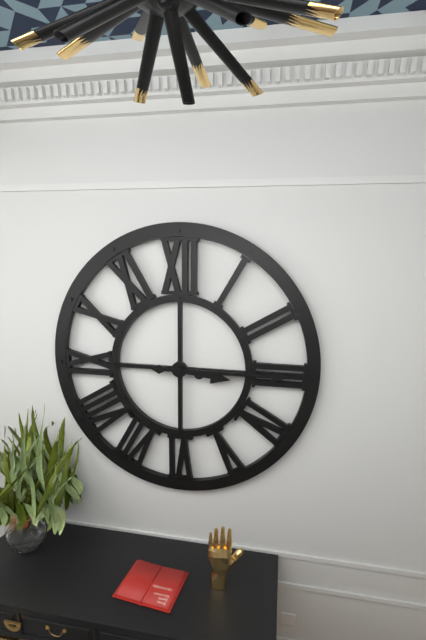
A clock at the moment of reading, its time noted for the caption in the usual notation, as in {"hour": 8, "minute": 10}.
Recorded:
{"hour": 3, "minute": 15}
